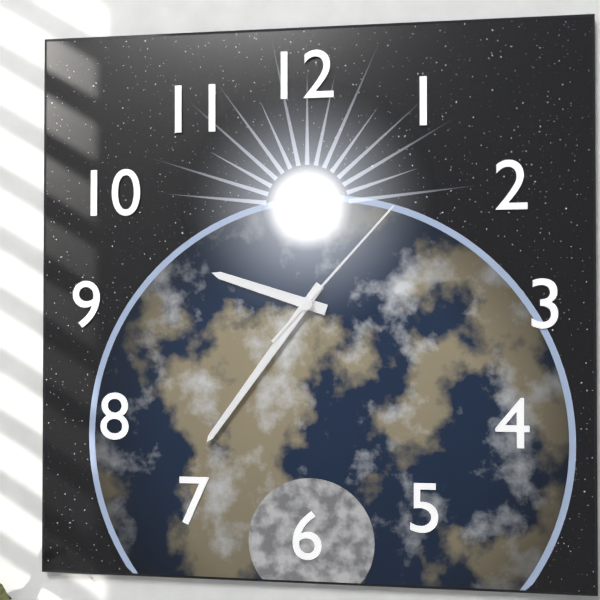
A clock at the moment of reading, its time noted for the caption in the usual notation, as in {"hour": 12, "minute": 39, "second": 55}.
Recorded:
{"hour": 9, "minute": 36, "second": 7}
